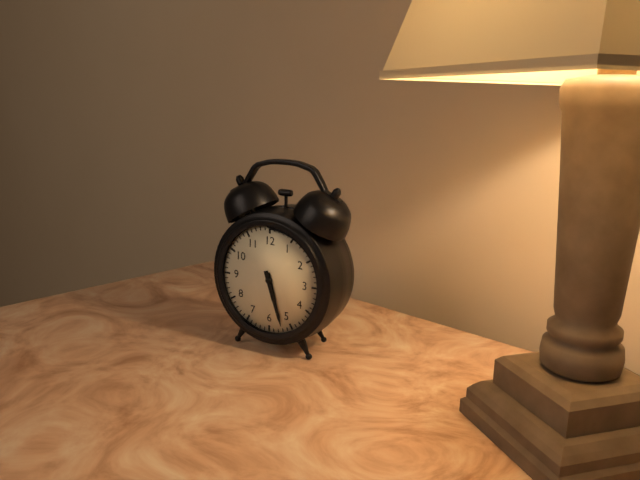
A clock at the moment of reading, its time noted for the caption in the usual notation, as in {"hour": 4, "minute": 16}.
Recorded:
{"hour": 5, "minute": 27}
